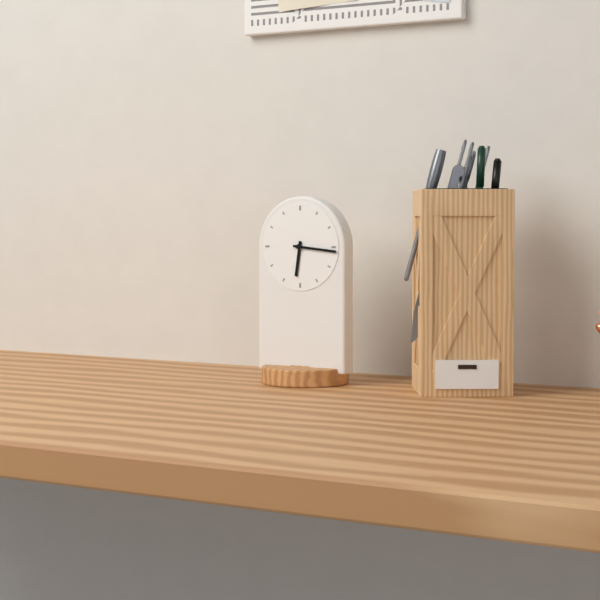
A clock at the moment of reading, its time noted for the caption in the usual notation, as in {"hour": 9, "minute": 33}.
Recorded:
{"hour": 6, "minute": 16}
